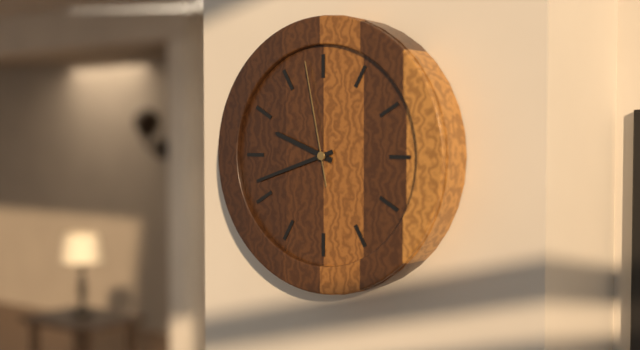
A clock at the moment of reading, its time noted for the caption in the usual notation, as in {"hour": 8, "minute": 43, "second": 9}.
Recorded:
{"hour": 9, "minute": 42, "second": 58}
